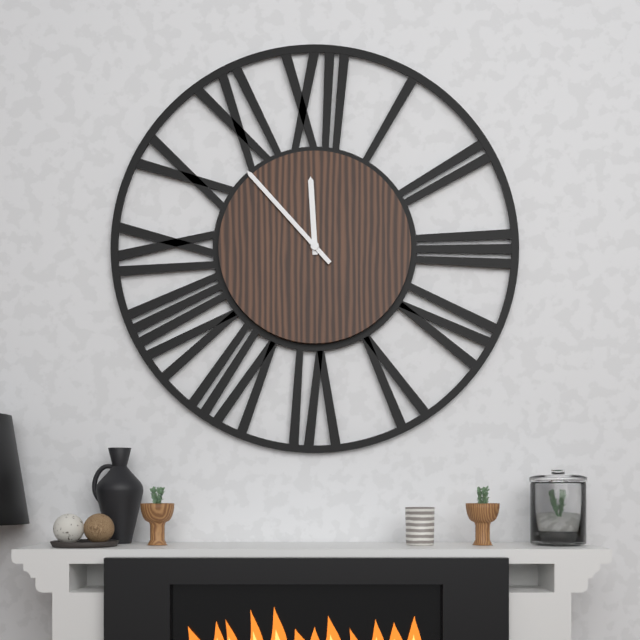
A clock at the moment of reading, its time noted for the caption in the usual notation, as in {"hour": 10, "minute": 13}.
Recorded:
{"hour": 11, "minute": 53}
